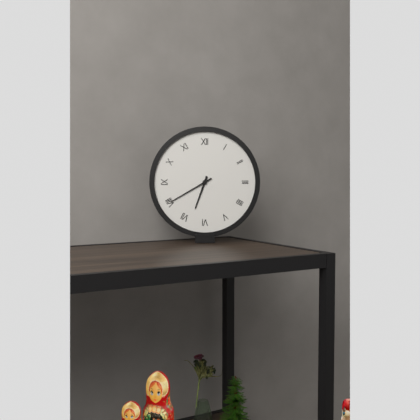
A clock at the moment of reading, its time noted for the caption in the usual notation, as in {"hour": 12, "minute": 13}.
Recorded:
{"hour": 6, "minute": 40}
